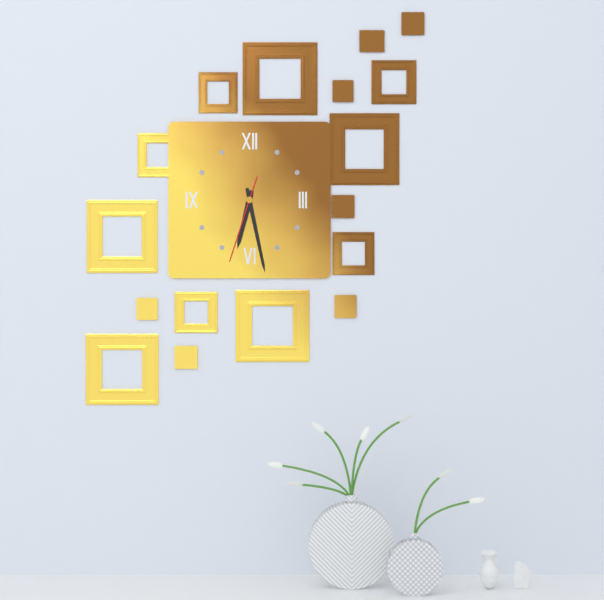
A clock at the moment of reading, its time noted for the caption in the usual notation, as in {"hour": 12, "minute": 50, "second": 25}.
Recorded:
{"hour": 6, "minute": 28, "second": 33}
